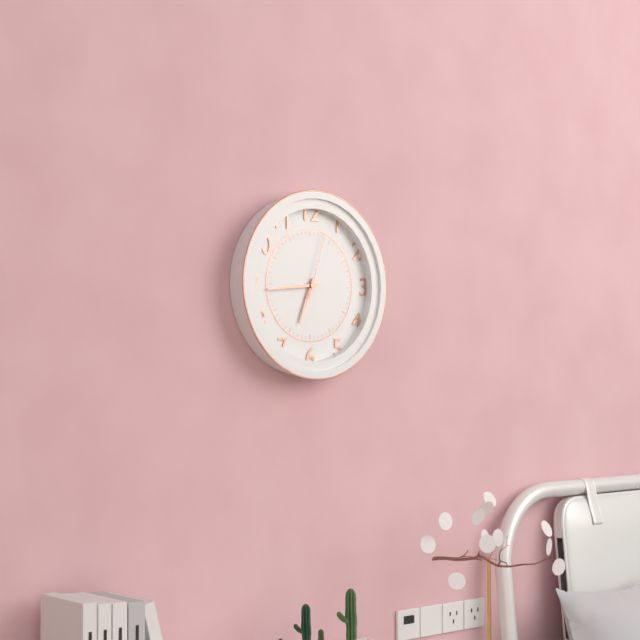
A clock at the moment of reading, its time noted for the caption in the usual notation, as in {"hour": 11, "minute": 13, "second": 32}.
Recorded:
{"hour": 6, "minute": 44, "second": 3}
